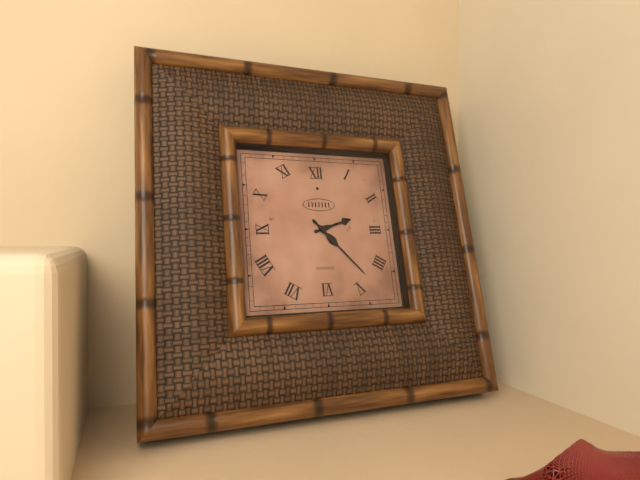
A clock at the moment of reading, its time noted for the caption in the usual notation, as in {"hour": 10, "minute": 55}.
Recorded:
{"hour": 2, "minute": 23}
